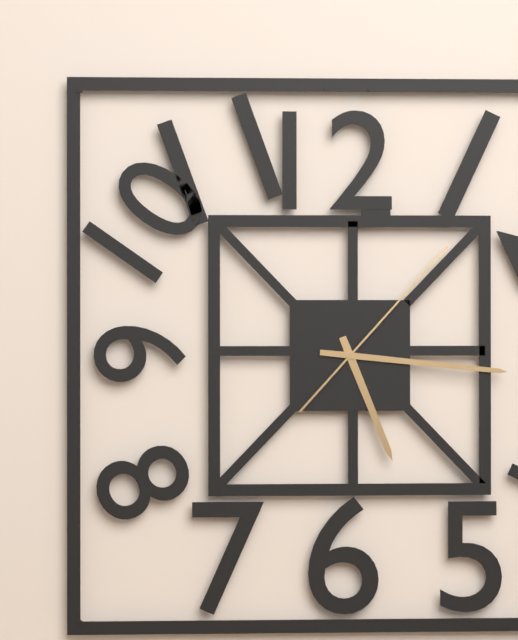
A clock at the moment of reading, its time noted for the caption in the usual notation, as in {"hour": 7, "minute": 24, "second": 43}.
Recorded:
{"hour": 5, "minute": 16, "second": 7}
